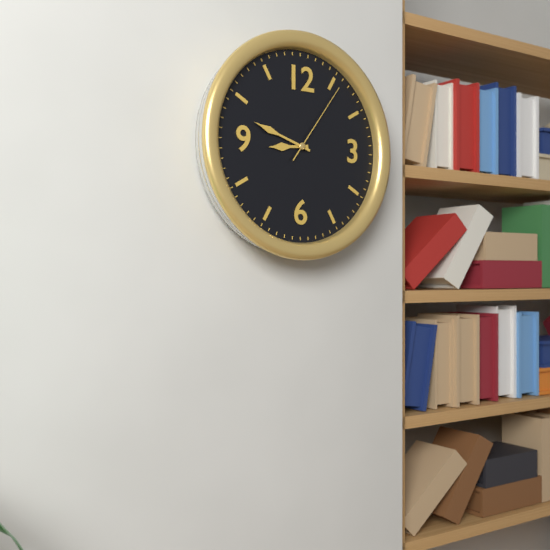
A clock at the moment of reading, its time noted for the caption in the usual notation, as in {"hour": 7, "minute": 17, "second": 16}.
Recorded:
{"hour": 8, "minute": 48, "second": 6}
